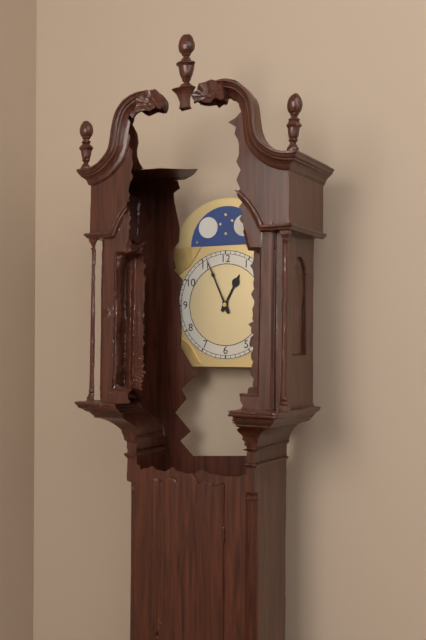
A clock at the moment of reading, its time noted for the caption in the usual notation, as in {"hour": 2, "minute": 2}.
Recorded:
{"hour": 12, "minute": 56}
